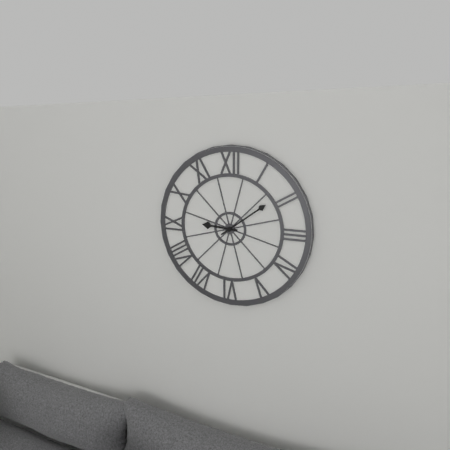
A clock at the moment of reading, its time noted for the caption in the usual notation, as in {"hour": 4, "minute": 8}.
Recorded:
{"hour": 9, "minute": 9}
